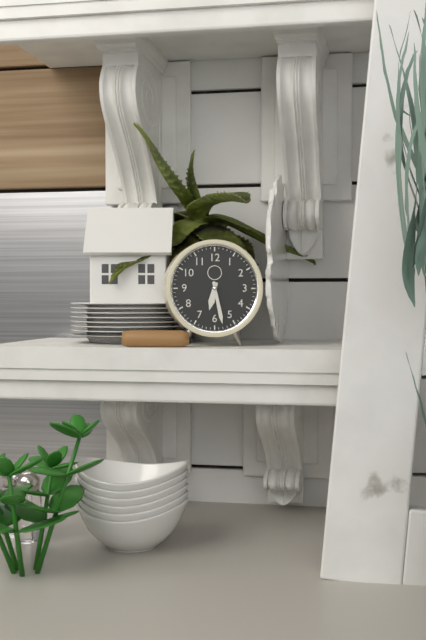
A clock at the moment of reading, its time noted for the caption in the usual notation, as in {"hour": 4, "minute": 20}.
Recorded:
{"hour": 6, "minute": 28}
